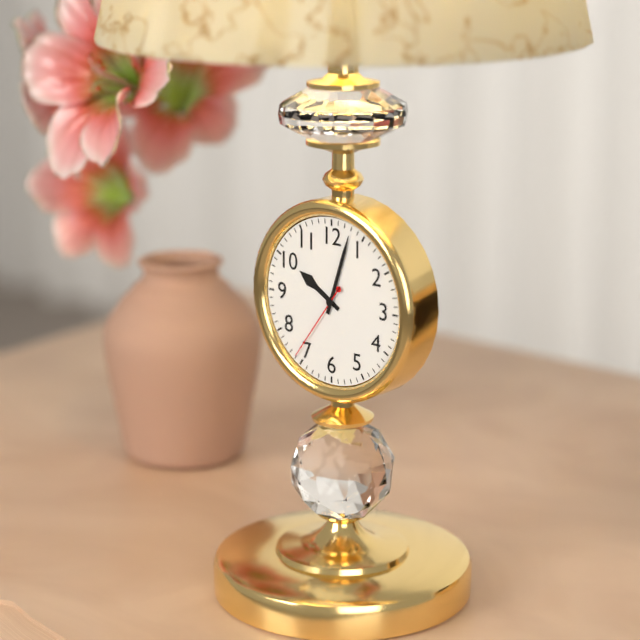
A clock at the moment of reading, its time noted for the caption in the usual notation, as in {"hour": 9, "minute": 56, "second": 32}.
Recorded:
{"hour": 10, "minute": 3, "second": 36}
